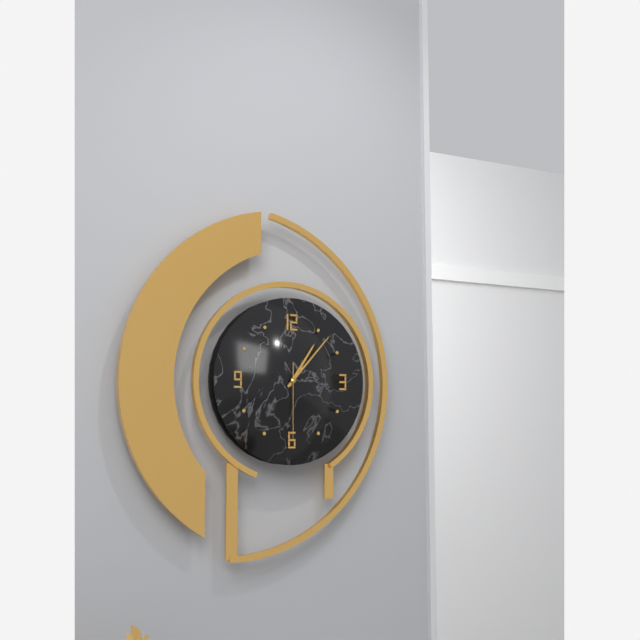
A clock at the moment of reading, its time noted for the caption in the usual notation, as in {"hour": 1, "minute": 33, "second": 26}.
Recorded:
{"hour": 1, "minute": 7, "second": 30}
